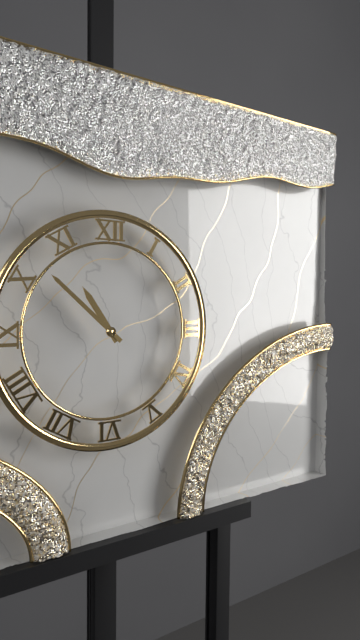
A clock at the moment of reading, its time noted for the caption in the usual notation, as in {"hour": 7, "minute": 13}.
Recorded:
{"hour": 10, "minute": 52}
